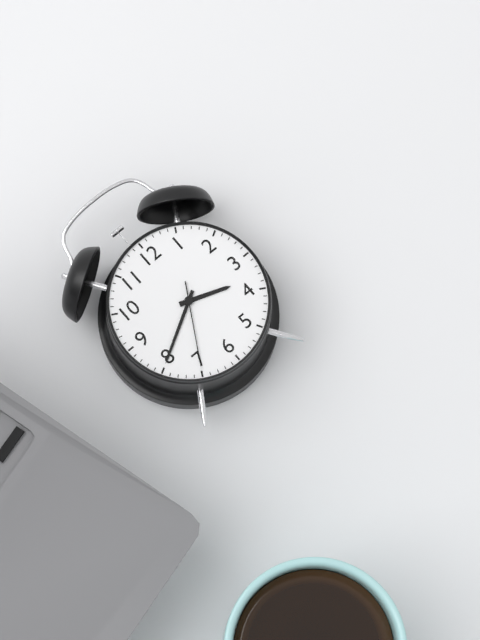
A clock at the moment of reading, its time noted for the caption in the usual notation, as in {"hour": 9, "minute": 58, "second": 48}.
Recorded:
{"hour": 3, "minute": 40, "second": 35}
